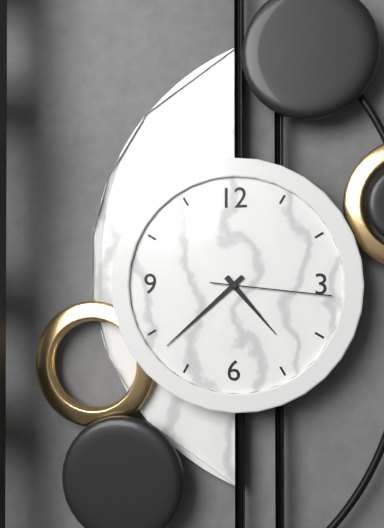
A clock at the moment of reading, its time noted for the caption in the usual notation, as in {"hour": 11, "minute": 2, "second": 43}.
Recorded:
{"hour": 4, "minute": 38, "second": 16}
